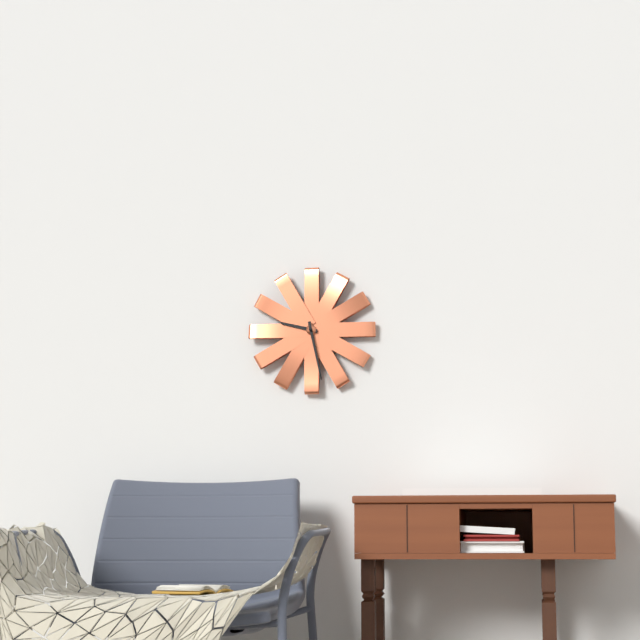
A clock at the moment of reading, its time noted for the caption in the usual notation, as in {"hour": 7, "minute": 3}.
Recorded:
{"hour": 9, "minute": 28}
